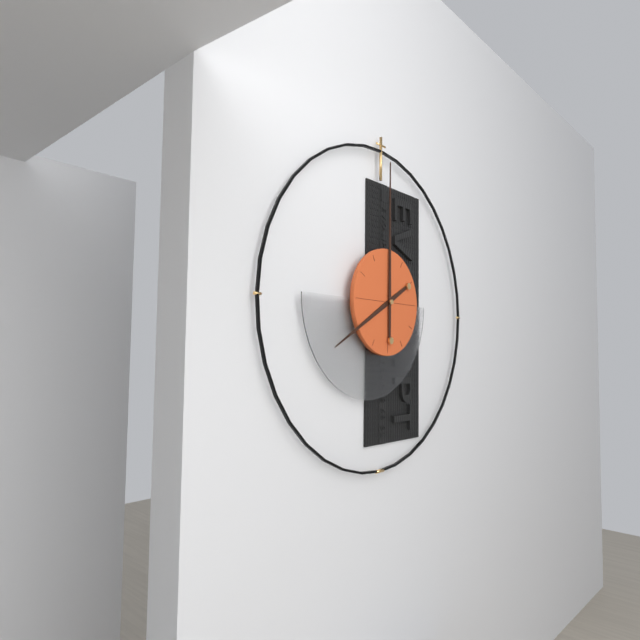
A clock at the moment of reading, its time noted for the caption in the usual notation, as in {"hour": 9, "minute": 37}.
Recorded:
{"hour": 8, "minute": 0}
